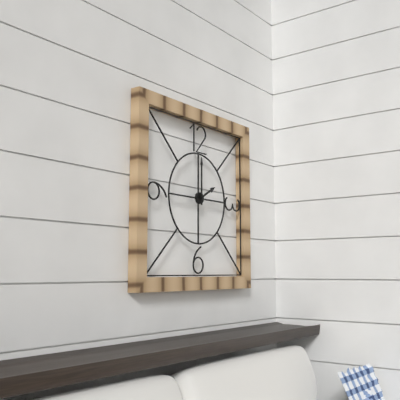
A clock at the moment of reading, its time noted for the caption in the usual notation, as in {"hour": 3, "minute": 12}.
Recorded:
{"hour": 2, "minute": 0}
